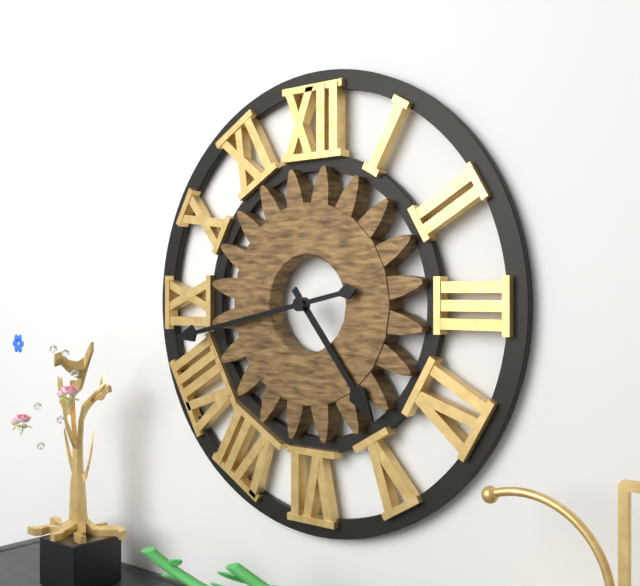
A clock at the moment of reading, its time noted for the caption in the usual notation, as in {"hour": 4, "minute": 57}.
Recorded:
{"hour": 4, "minute": 43}
